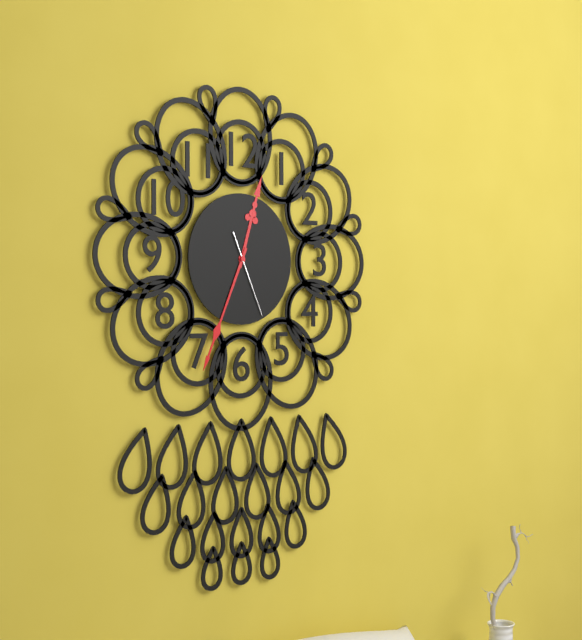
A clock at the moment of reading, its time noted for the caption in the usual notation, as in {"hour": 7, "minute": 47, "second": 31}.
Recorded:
{"hour": 12, "minute": 34, "second": 26}
